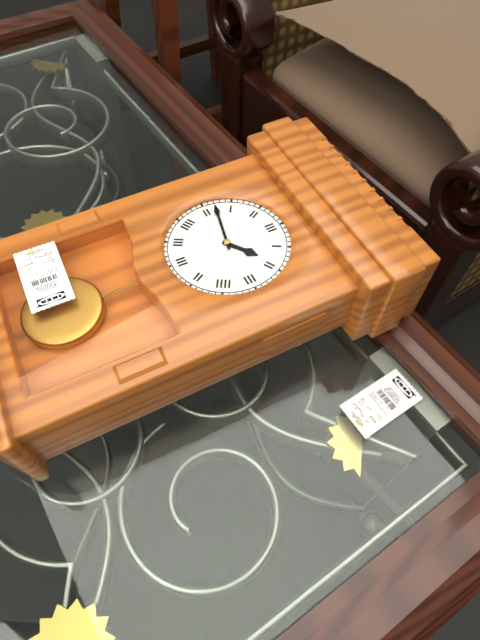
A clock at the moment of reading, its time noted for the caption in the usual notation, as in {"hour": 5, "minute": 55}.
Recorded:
{"hour": 1, "minute": 47}
